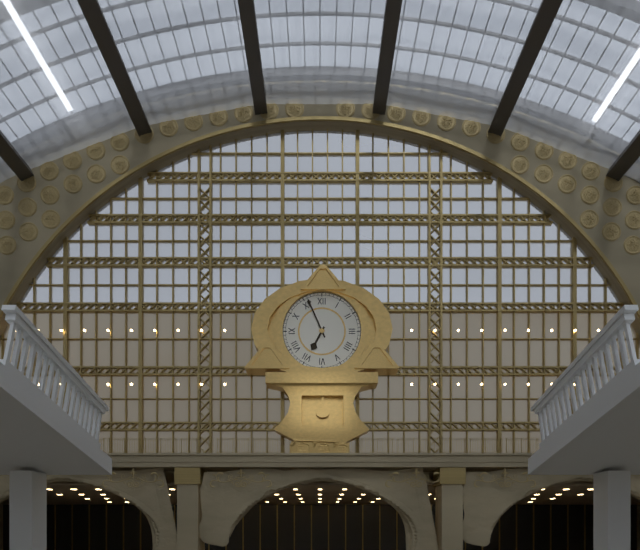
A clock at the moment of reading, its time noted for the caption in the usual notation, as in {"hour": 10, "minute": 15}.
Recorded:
{"hour": 6, "minute": 56}
